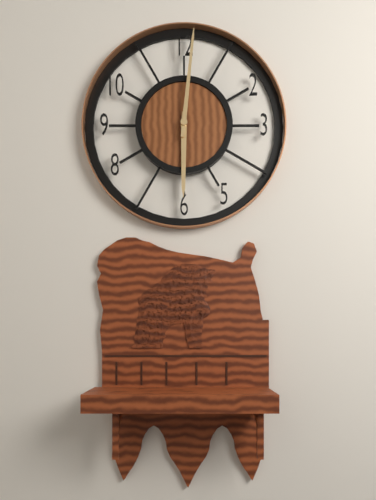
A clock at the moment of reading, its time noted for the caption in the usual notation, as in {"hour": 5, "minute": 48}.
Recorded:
{"hour": 6, "minute": 1}
